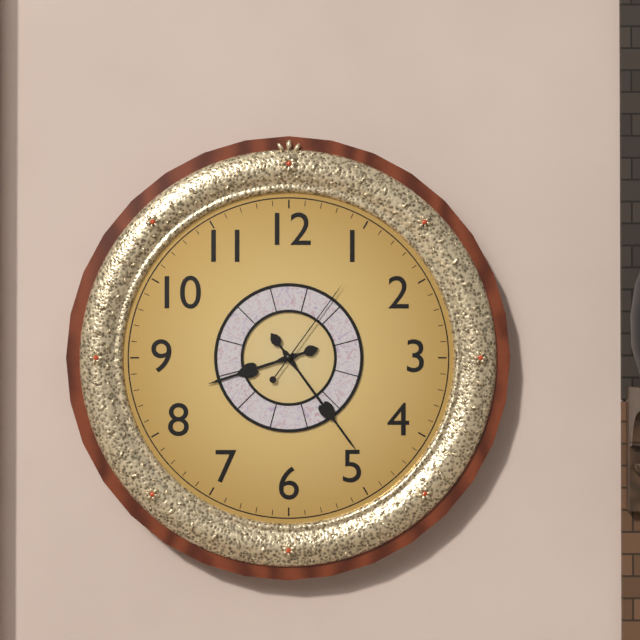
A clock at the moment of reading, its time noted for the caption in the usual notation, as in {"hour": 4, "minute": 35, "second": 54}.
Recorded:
{"hour": 8, "minute": 24, "second": 6}
